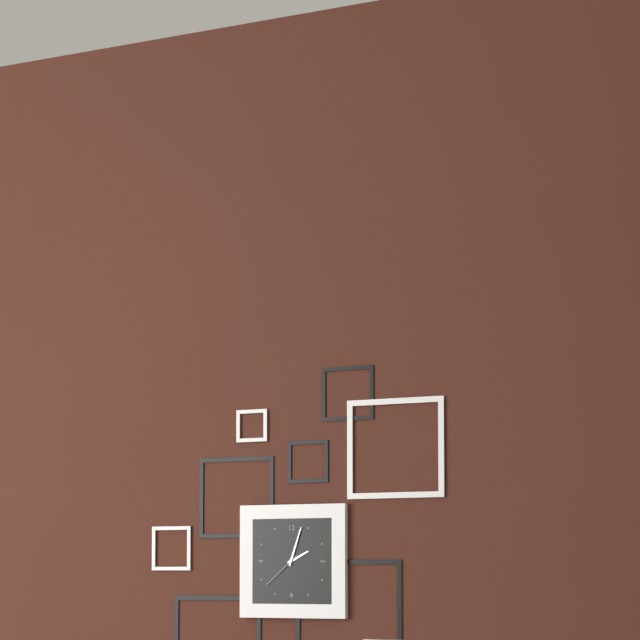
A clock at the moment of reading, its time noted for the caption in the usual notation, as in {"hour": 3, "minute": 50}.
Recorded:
{"hour": 2, "minute": 3}
